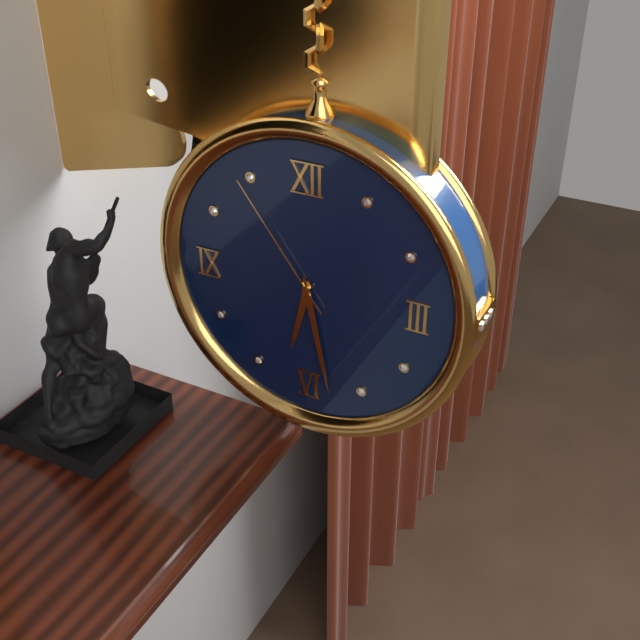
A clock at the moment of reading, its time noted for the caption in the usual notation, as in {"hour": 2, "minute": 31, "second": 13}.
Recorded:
{"hour": 6, "minute": 28, "second": 54}
